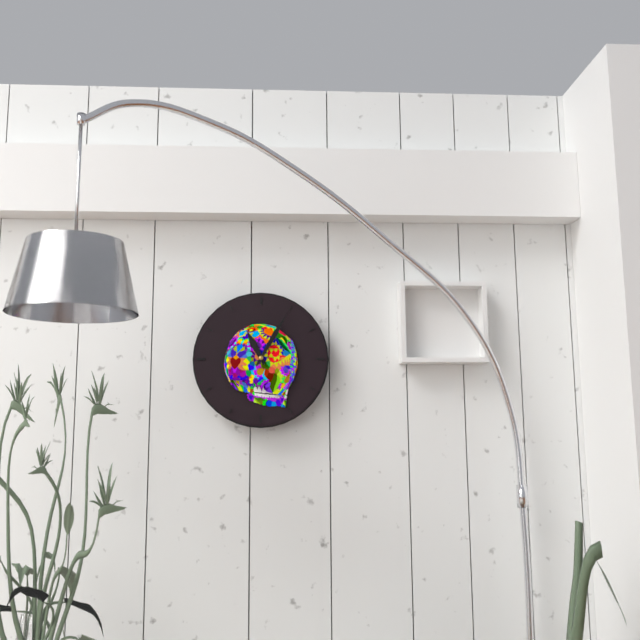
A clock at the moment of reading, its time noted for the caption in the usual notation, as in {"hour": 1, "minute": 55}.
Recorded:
{"hour": 11, "minute": 5}
